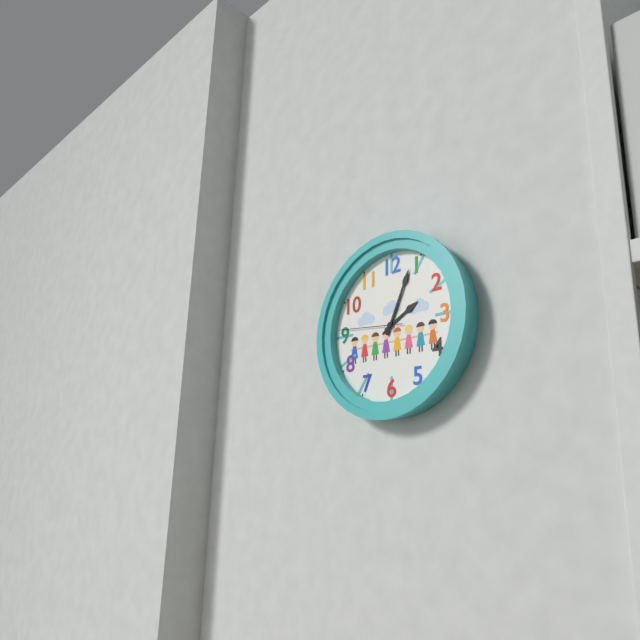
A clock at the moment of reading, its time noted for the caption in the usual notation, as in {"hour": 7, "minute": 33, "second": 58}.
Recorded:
{"hour": 2, "minute": 4, "second": 46}
